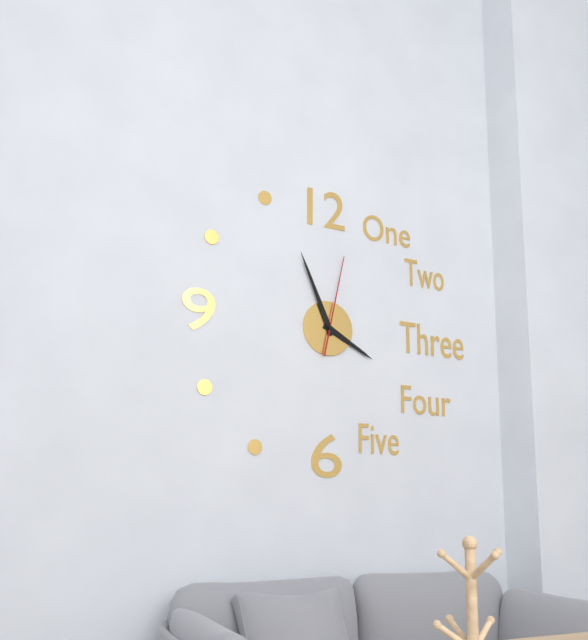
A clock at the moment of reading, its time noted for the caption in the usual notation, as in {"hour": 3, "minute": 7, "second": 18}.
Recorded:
{"hour": 3, "minute": 56, "second": 2}
